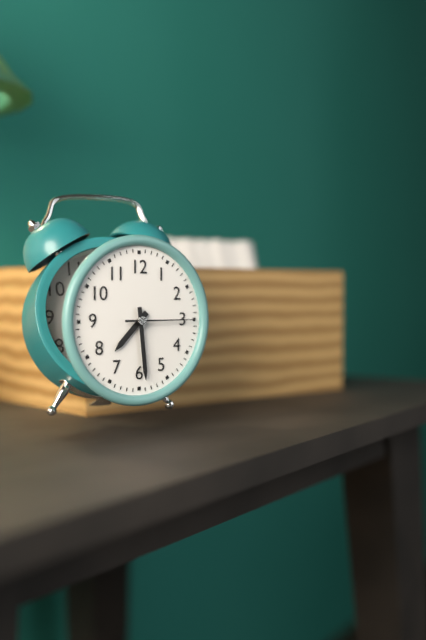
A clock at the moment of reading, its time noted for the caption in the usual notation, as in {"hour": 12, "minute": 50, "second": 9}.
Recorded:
{"hour": 7, "minute": 29, "second": 15}
